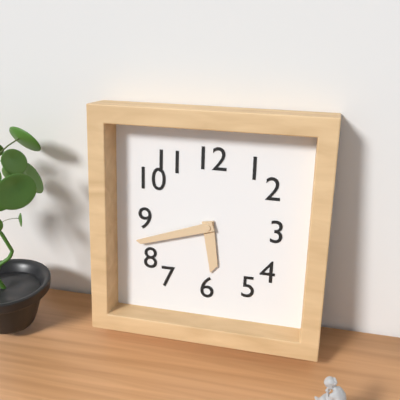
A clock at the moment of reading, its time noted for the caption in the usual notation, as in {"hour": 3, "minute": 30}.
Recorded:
{"hour": 5, "minute": 42}
